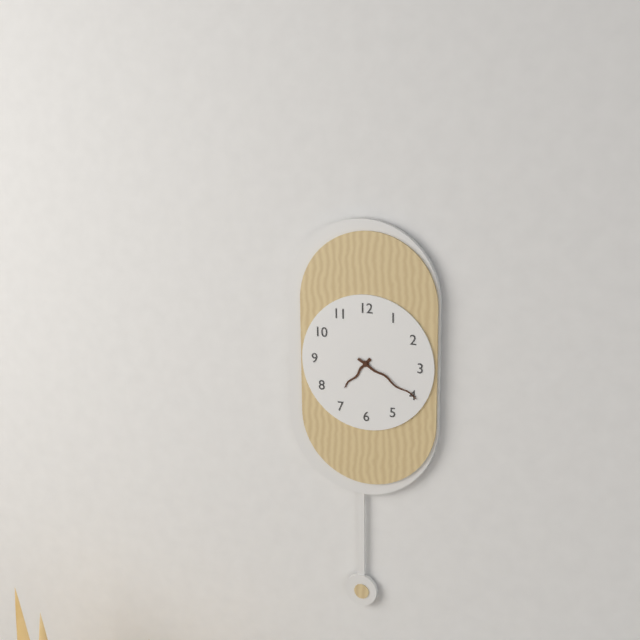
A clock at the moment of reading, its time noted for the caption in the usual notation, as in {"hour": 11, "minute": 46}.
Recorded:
{"hour": 7, "minute": 20}
